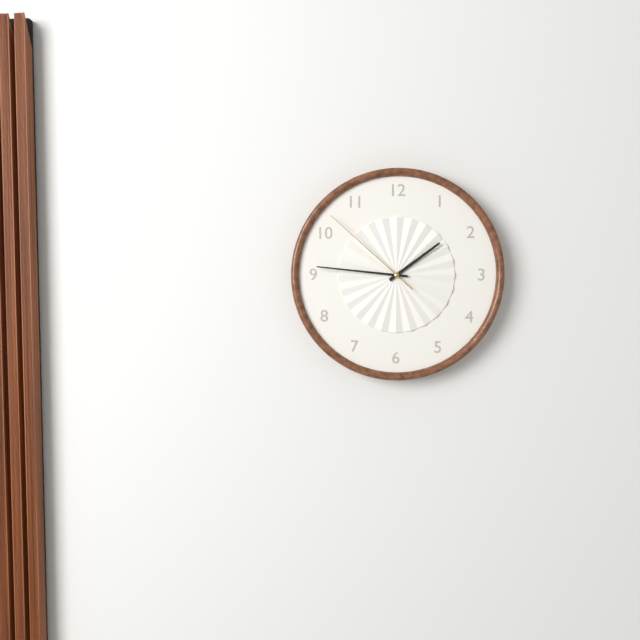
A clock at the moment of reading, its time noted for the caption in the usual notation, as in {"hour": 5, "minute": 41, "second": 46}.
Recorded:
{"hour": 1, "minute": 46, "second": 52}
